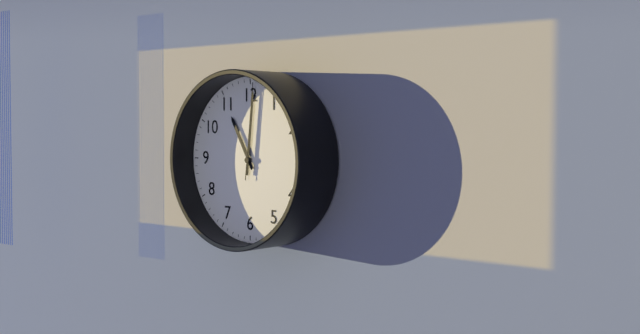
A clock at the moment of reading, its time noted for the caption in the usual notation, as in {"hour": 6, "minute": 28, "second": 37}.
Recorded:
{"hour": 11, "minute": 1, "second": 1}
